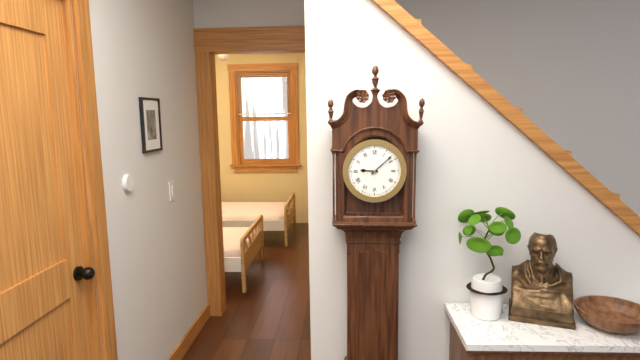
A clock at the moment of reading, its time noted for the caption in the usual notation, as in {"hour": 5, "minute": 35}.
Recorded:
{"hour": 9, "minute": 8}
